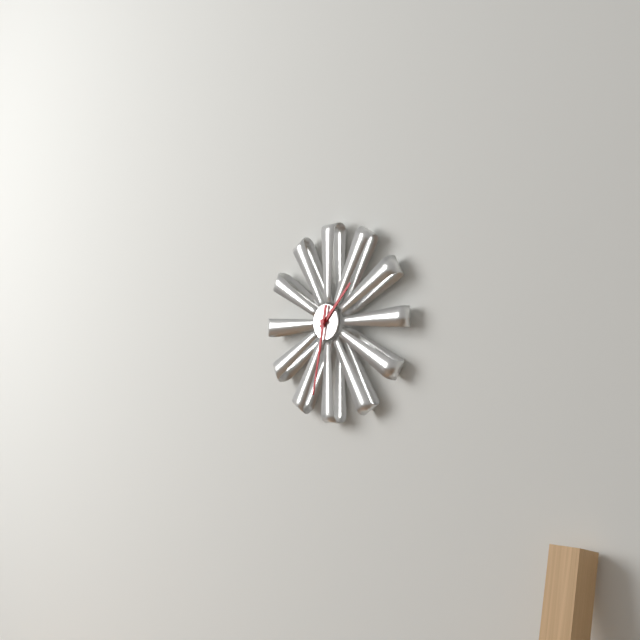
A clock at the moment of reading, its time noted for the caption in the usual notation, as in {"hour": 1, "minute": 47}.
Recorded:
{"hour": 1, "minute": 32}
